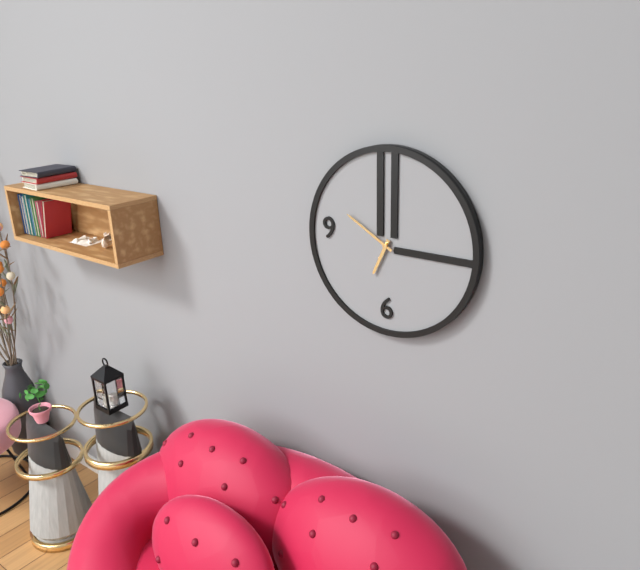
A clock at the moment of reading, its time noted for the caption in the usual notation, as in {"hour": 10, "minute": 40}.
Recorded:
{"hour": 6, "minute": 50}
